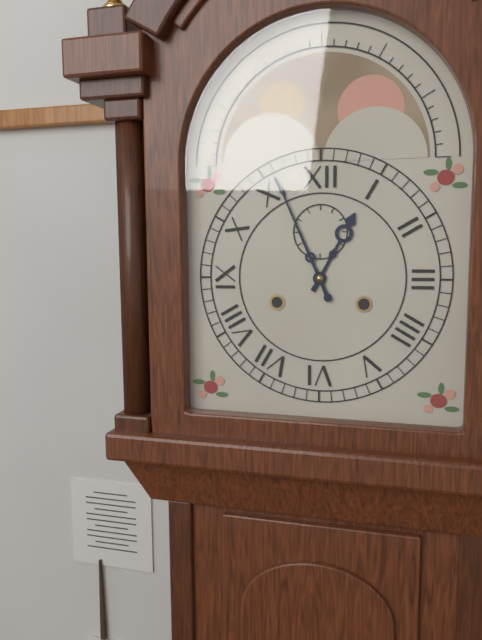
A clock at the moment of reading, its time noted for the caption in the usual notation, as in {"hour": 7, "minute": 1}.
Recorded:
{"hour": 12, "minute": 56}
